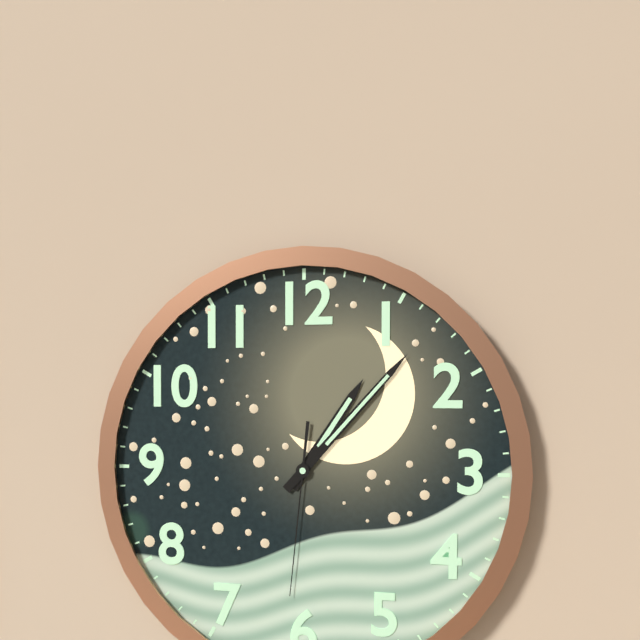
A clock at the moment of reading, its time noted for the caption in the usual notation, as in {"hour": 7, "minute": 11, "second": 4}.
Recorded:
{"hour": 1, "minute": 7, "second": 31}
